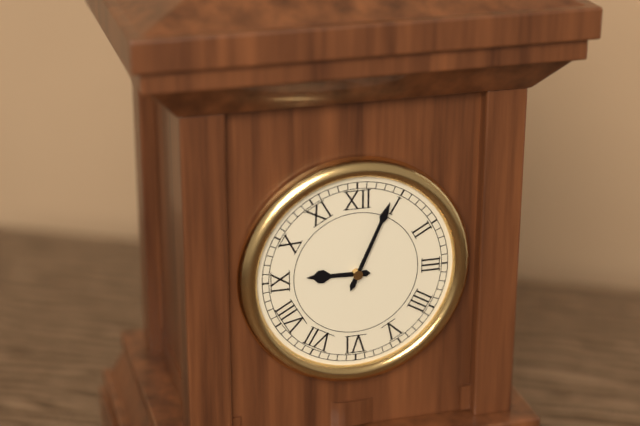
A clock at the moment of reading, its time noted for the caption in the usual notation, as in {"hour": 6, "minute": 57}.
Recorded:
{"hour": 9, "minute": 4}
